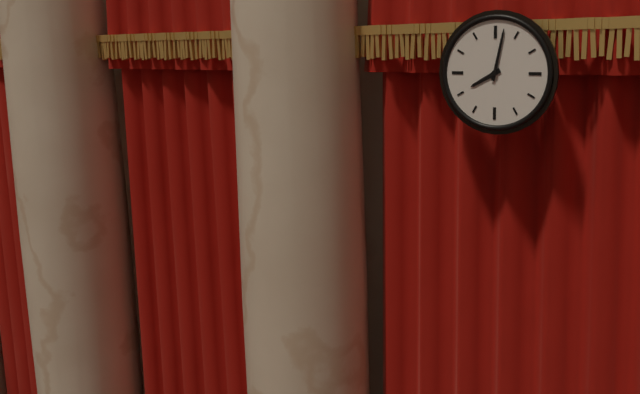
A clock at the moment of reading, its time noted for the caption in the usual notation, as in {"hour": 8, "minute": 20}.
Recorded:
{"hour": 8, "minute": 2}
